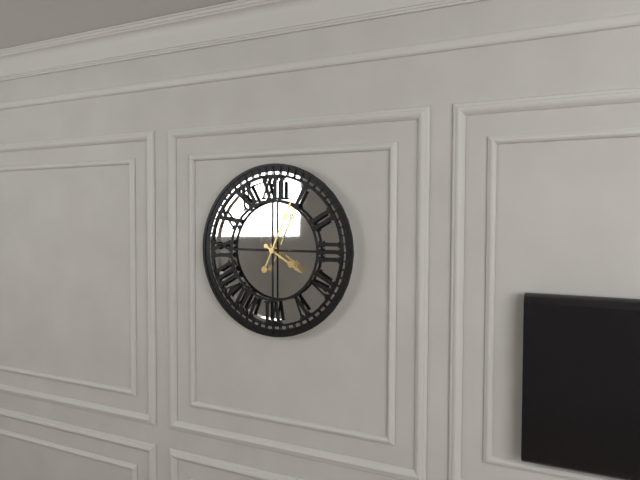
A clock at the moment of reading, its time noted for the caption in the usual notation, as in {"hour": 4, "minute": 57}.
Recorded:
{"hour": 4, "minute": 4}
